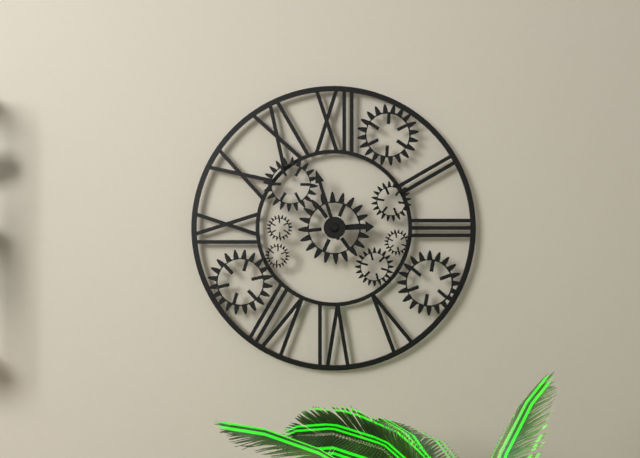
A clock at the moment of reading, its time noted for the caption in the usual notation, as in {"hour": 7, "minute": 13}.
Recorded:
{"hour": 2, "minute": 57}
